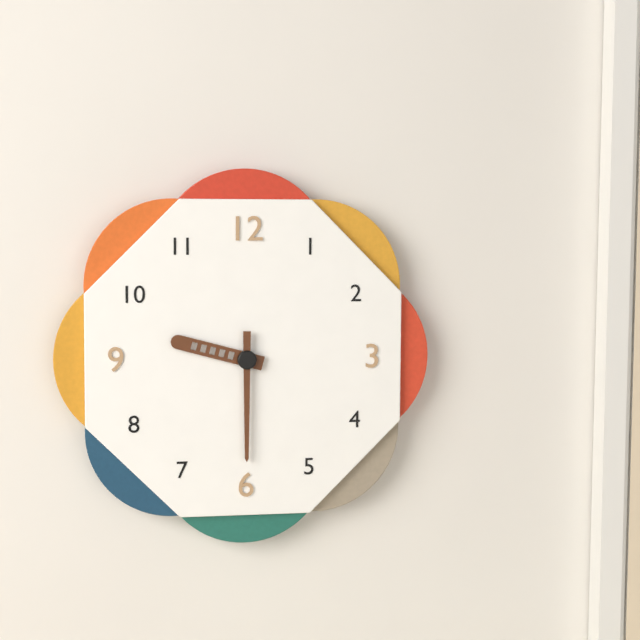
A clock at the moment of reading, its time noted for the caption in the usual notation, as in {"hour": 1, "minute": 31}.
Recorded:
{"hour": 9, "minute": 30}
